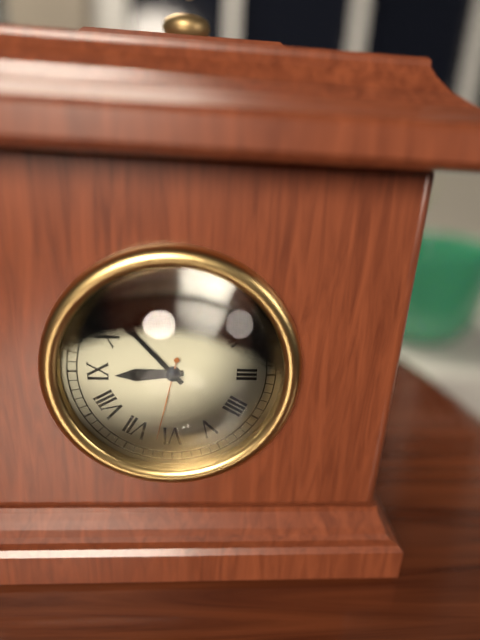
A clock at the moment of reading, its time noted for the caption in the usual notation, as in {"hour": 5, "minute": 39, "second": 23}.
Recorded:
{"hour": 8, "minute": 53, "second": 32}
